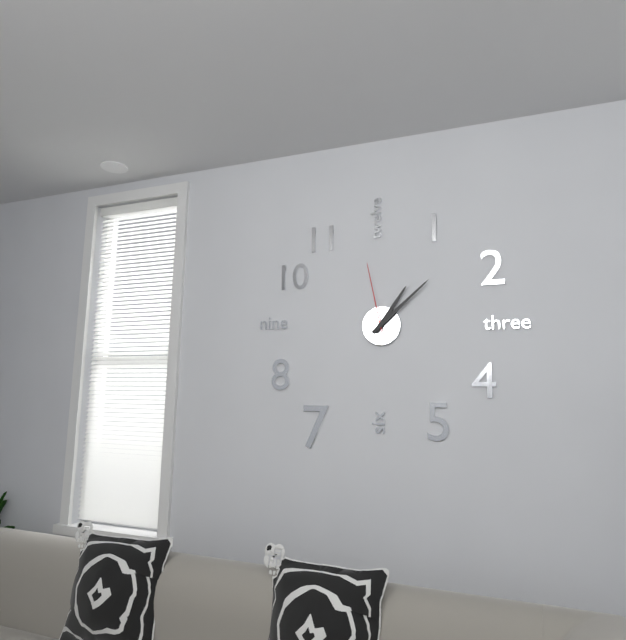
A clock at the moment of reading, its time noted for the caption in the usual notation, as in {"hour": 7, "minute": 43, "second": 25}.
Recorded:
{"hour": 1, "minute": 8, "second": 58}
